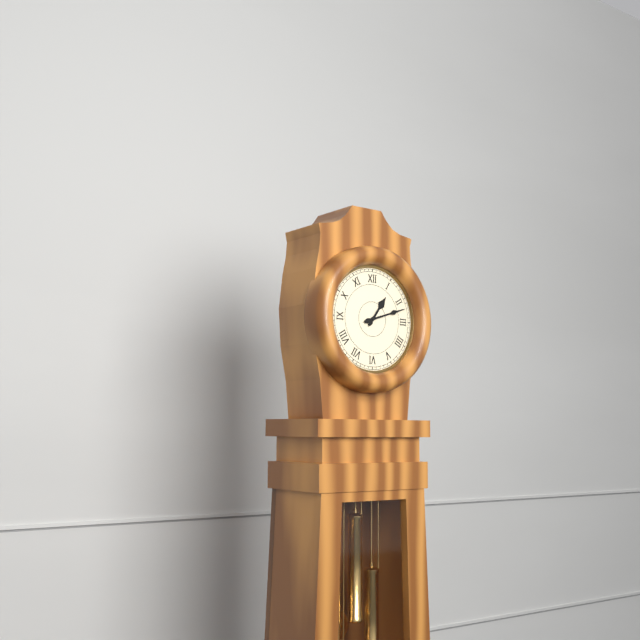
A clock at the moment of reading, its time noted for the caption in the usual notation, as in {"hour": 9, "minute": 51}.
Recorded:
{"hour": 1, "minute": 12}
